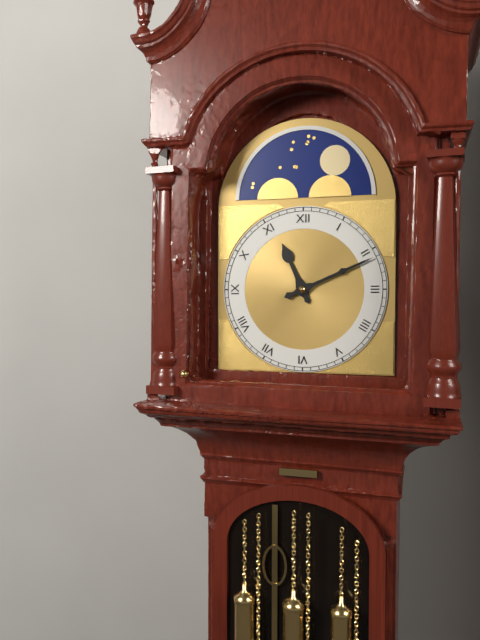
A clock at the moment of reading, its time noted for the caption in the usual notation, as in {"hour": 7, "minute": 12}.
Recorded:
{"hour": 11, "minute": 11}
